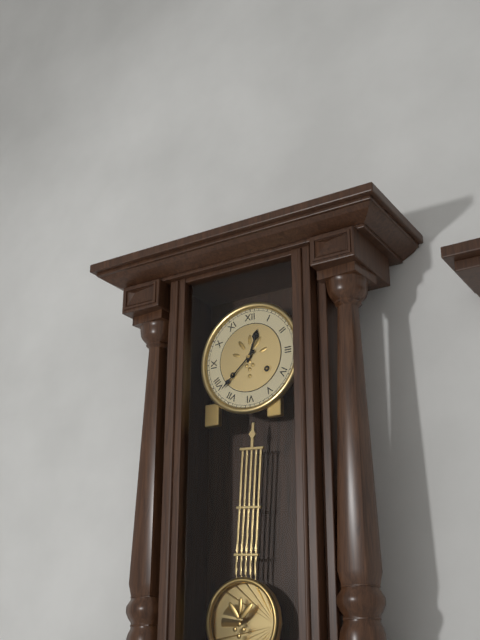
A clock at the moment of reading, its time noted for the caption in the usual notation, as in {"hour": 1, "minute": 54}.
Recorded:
{"hour": 12, "minute": 38}
